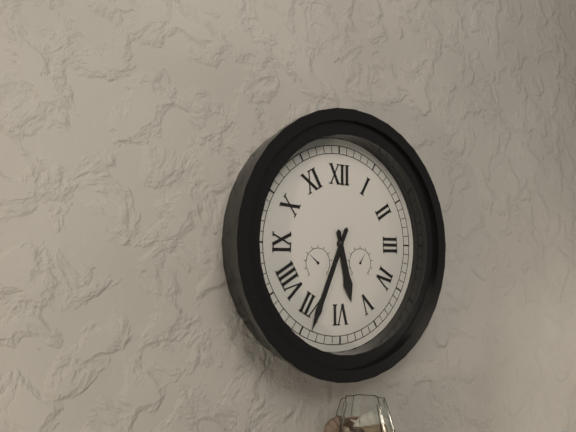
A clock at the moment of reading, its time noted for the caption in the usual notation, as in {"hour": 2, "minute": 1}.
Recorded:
{"hour": 5, "minute": 34}
